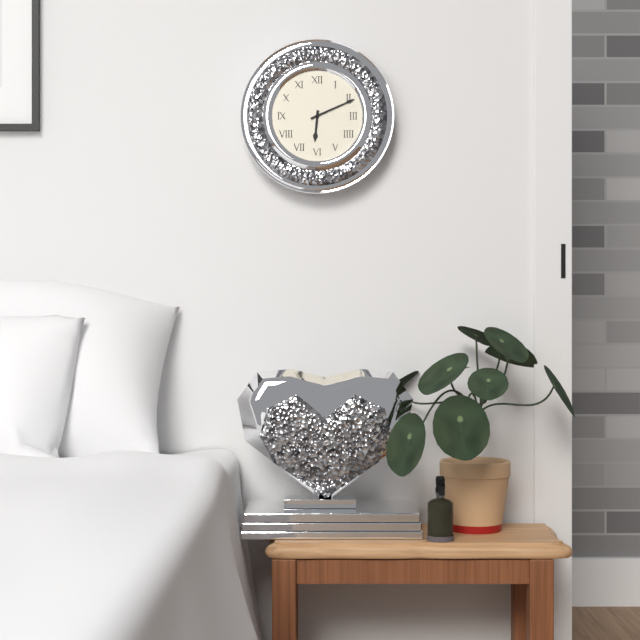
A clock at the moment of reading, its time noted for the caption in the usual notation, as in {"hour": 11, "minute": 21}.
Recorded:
{"hour": 6, "minute": 11}
